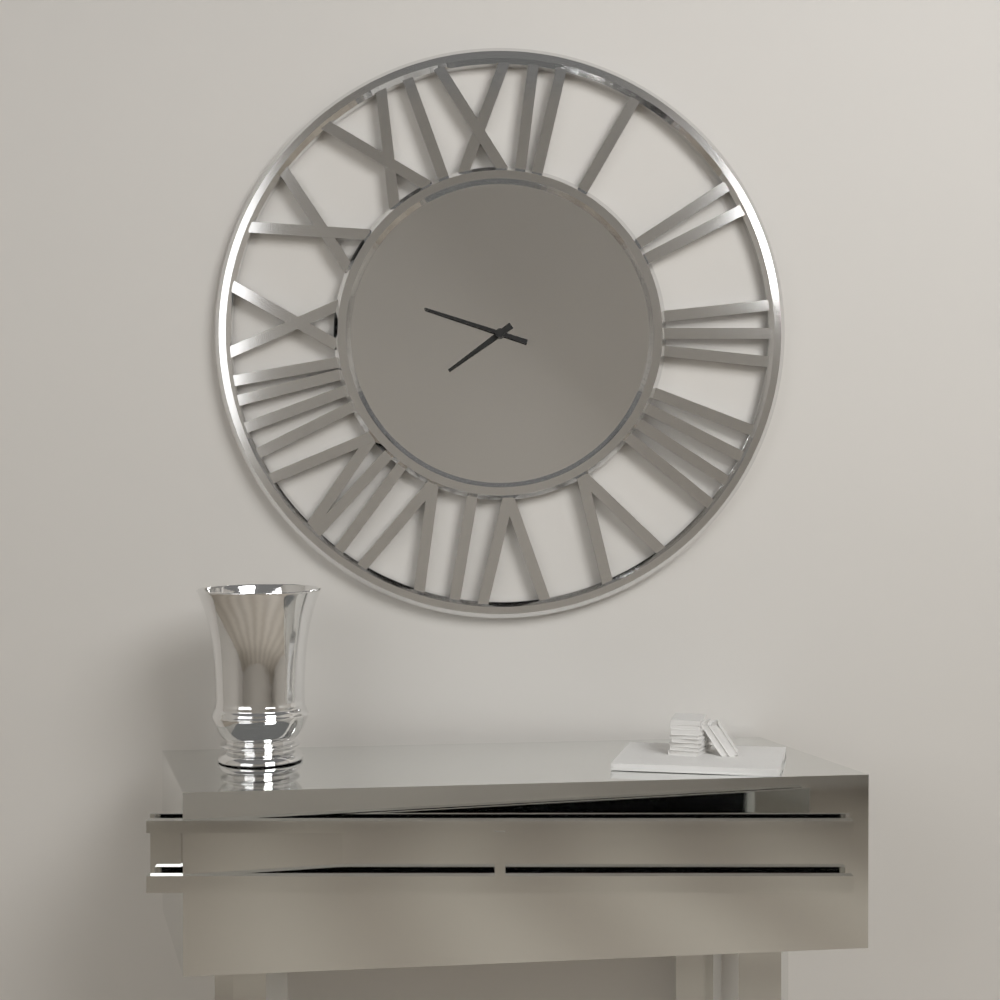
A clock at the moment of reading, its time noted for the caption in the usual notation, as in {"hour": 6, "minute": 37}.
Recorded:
{"hour": 7, "minute": 48}
